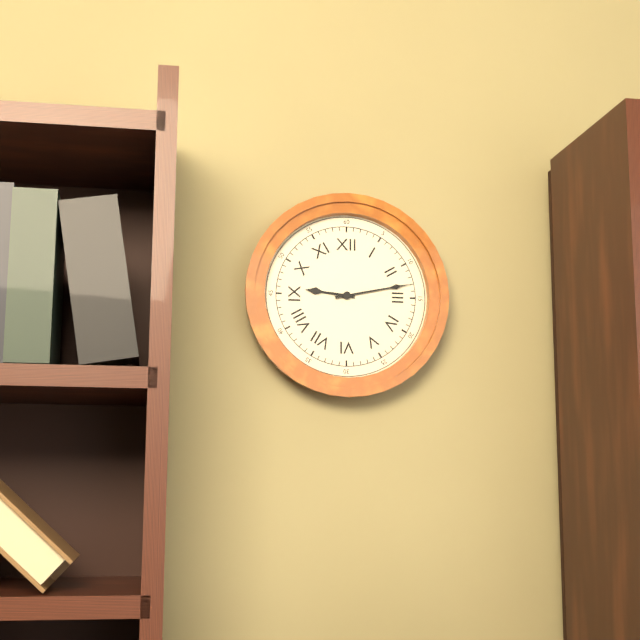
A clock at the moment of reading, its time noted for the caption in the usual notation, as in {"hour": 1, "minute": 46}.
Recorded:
{"hour": 9, "minute": 13}
